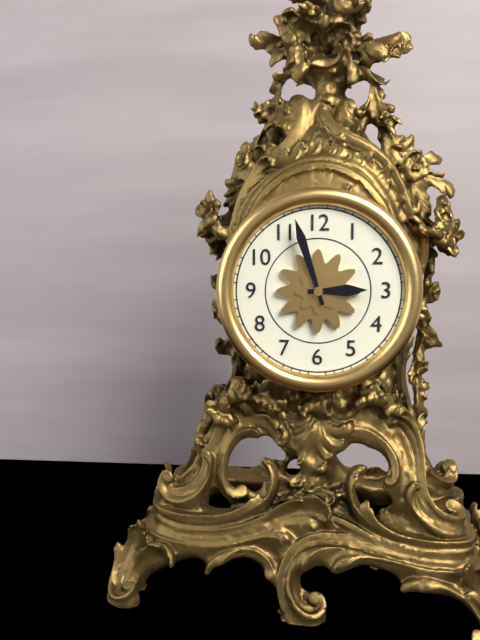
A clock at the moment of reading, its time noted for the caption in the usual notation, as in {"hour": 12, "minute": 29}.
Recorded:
{"hour": 2, "minute": 57}
